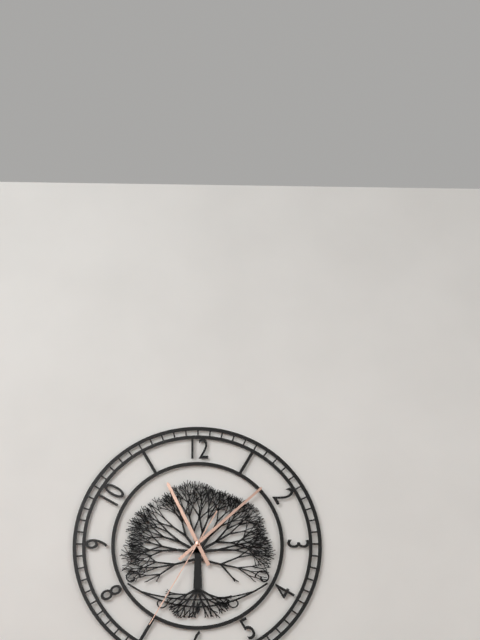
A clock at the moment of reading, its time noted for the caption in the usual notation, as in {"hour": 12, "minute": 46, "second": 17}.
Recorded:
{"hour": 11, "minute": 8, "second": 35}
